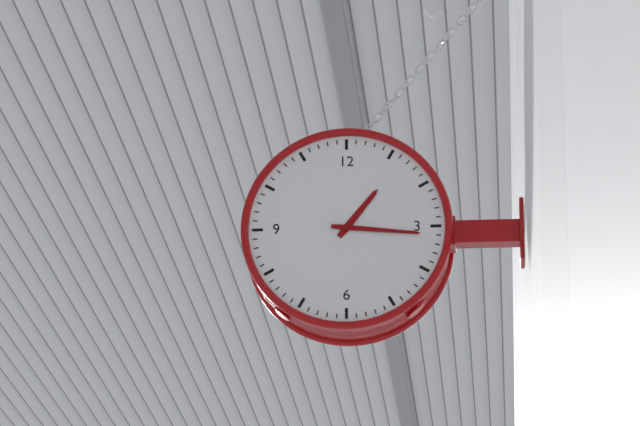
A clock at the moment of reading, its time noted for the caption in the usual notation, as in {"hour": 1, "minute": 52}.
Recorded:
{"hour": 1, "minute": 16}
